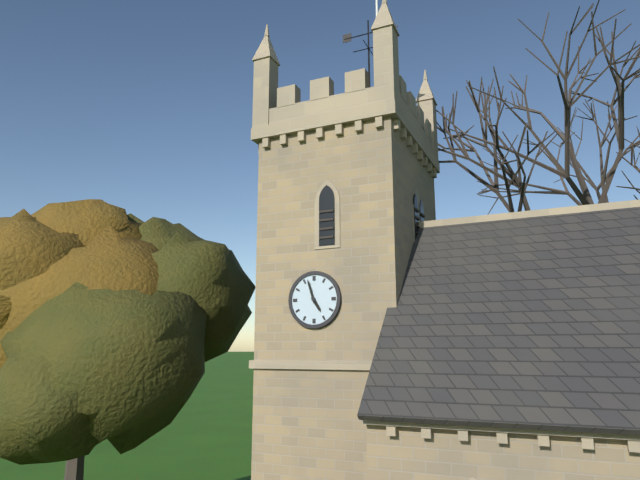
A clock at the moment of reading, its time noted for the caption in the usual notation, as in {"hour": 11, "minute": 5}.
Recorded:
{"hour": 4, "minute": 57}
